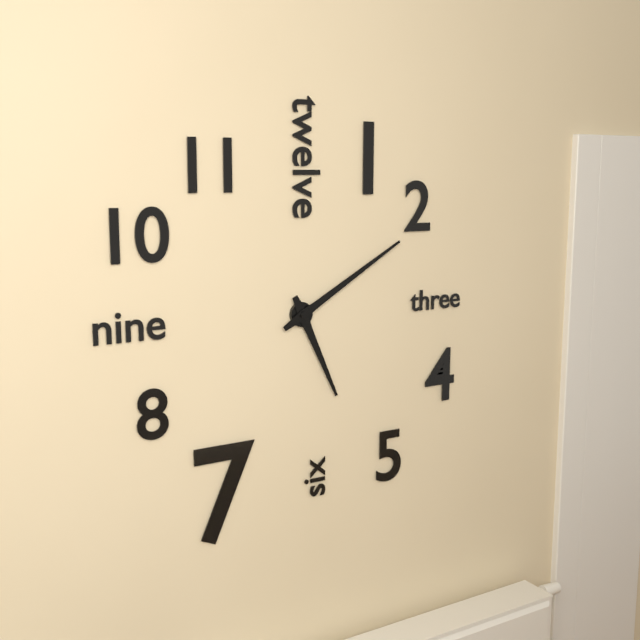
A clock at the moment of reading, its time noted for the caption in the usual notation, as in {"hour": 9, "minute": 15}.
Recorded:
{"hour": 5, "minute": 10}
